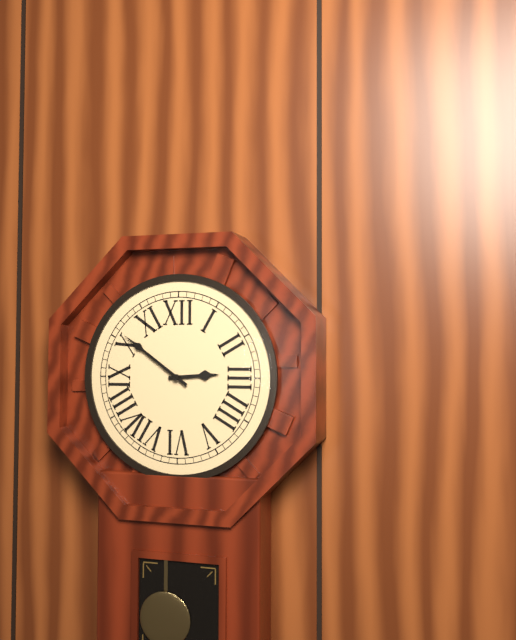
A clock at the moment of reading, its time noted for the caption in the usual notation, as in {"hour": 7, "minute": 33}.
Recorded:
{"hour": 2, "minute": 51}
